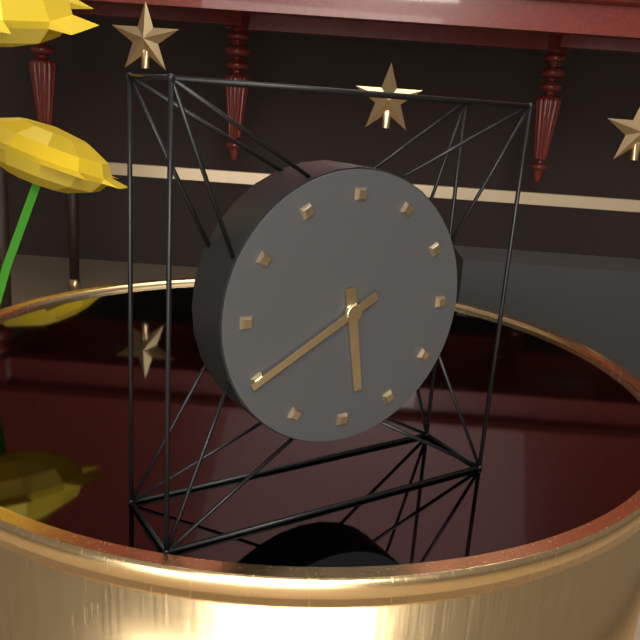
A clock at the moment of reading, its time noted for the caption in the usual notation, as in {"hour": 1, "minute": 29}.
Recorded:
{"hour": 5, "minute": 40}
